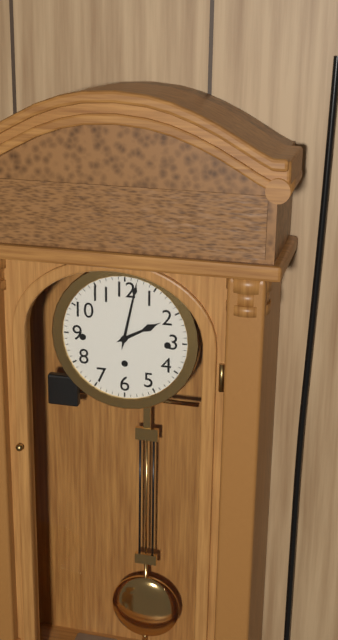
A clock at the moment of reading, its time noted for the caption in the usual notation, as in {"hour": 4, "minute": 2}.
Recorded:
{"hour": 2, "minute": 2}
